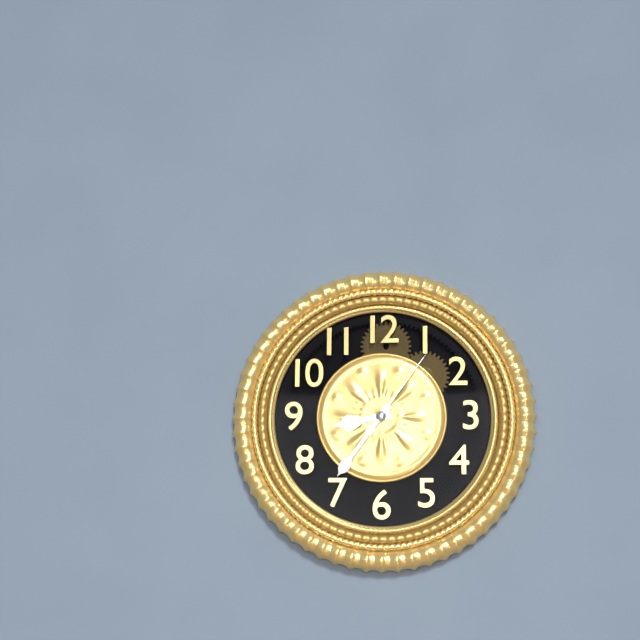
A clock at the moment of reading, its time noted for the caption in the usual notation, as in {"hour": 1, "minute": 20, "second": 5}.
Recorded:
{"hour": 8, "minute": 36, "second": 6}
